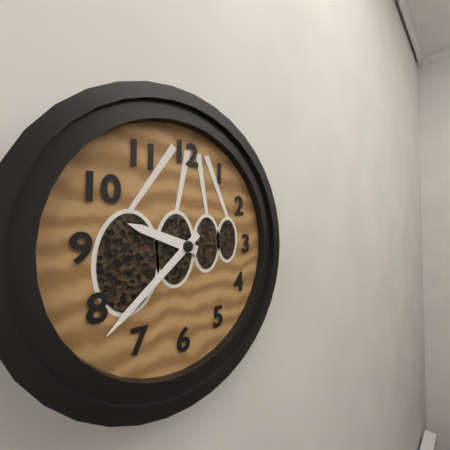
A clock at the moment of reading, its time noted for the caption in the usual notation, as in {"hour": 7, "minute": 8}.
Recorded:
{"hour": 9, "minute": 38}
